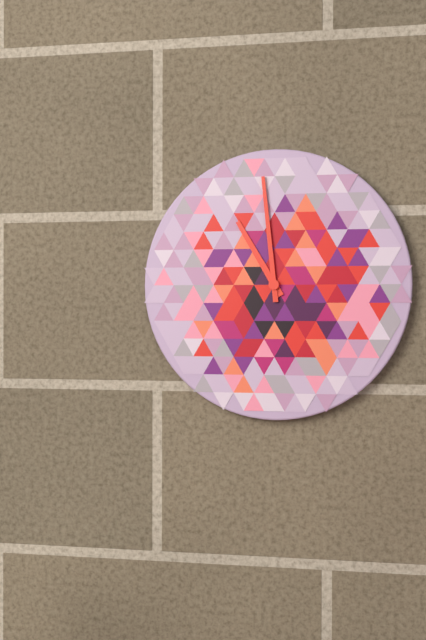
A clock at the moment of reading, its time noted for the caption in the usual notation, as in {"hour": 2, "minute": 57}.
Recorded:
{"hour": 10, "minute": 59}
